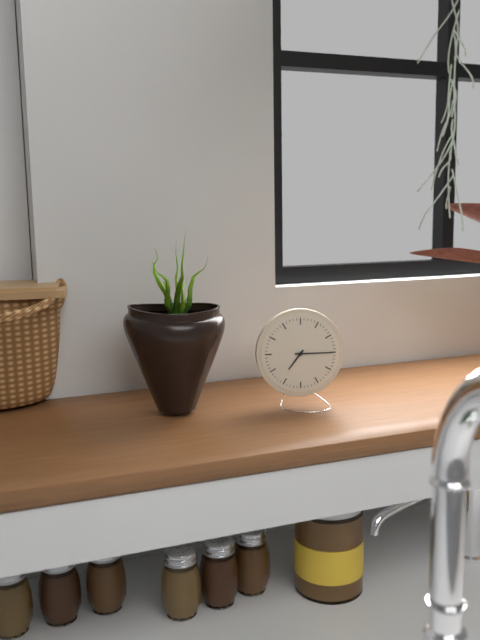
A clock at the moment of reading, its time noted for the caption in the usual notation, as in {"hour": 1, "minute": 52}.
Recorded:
{"hour": 7, "minute": 15}
